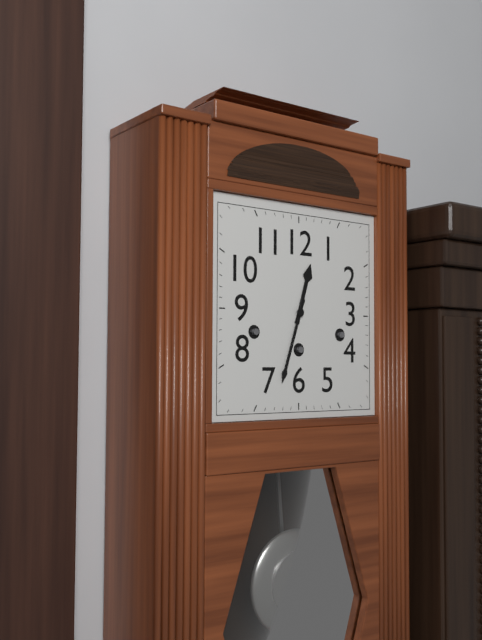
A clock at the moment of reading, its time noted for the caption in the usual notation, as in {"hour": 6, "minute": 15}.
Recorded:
{"hour": 12, "minute": 33}
